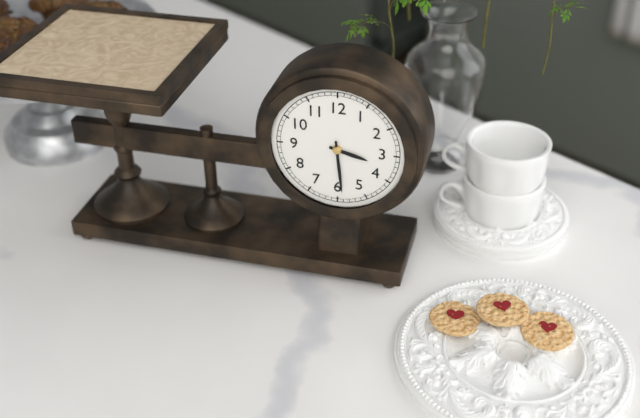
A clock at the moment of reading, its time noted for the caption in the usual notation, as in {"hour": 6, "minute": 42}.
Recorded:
{"hour": 3, "minute": 29}
